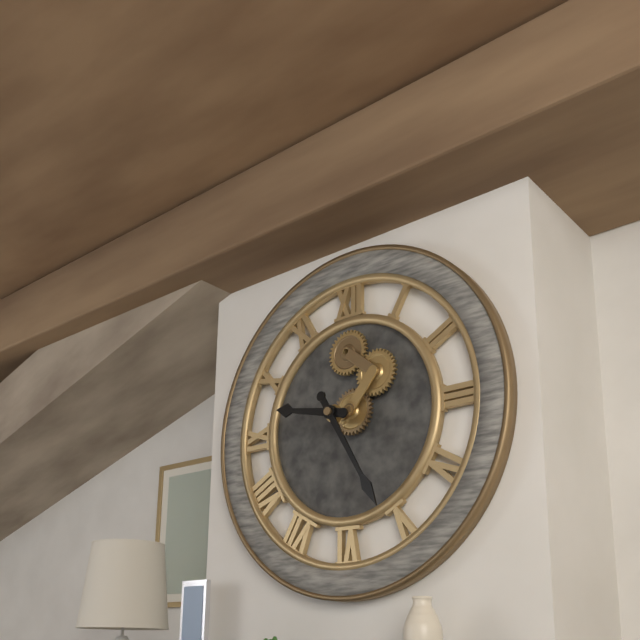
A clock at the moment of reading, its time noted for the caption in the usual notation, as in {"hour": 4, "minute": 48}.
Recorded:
{"hour": 9, "minute": 25}
